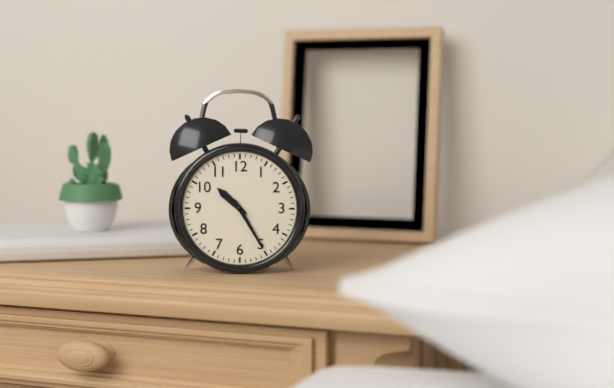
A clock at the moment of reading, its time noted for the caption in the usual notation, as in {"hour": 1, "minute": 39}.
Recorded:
{"hour": 10, "minute": 25}
